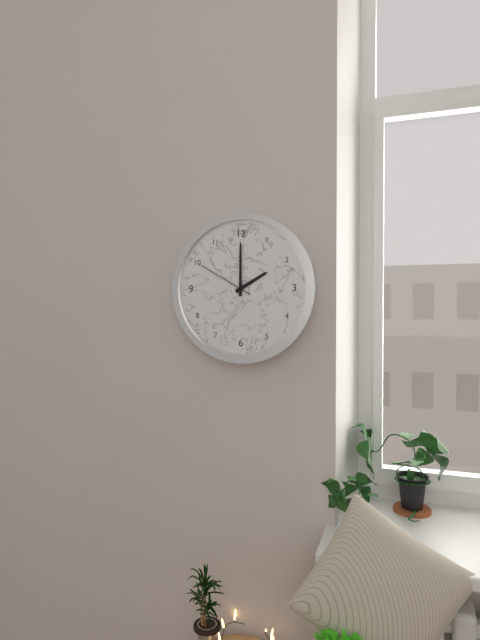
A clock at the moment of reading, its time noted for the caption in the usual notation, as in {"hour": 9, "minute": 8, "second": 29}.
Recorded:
{"hour": 2, "minute": 0, "second": 50}
